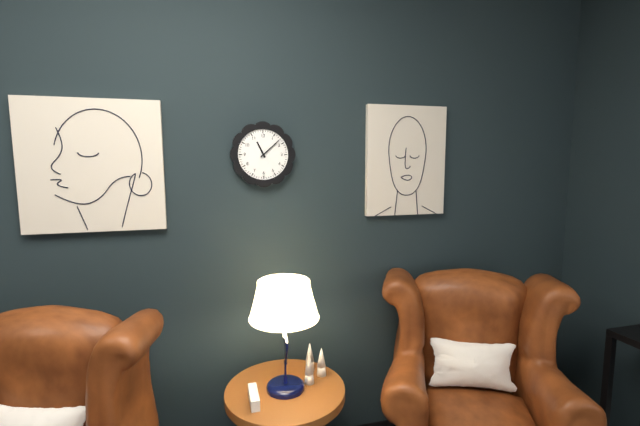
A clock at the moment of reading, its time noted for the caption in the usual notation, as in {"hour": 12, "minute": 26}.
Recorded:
{"hour": 11, "minute": 8}
